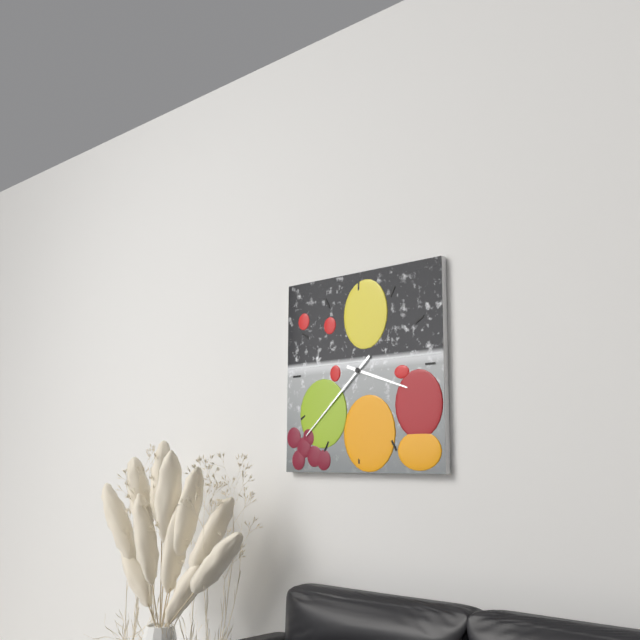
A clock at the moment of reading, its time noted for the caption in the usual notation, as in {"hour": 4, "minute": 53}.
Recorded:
{"hour": 3, "minute": 38}
